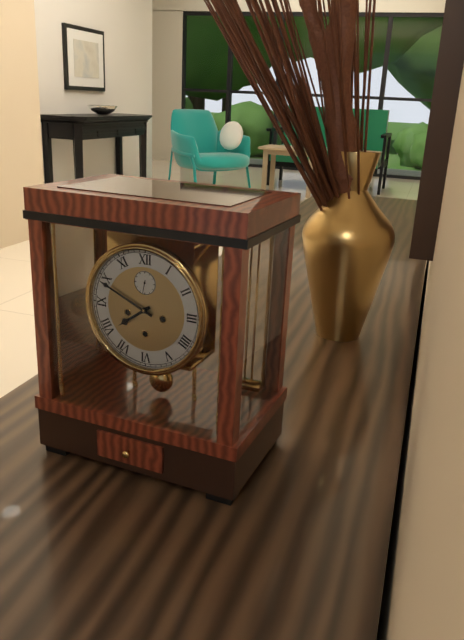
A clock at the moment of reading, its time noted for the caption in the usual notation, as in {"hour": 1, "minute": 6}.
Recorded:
{"hour": 7, "minute": 49}
